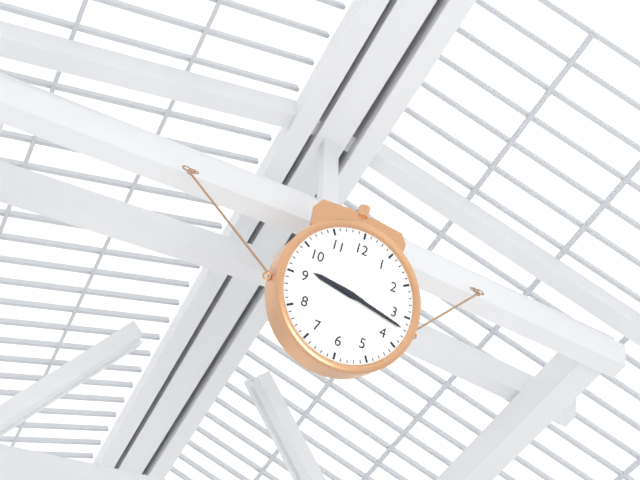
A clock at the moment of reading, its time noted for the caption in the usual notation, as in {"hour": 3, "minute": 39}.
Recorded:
{"hour": 9, "minute": 17}
